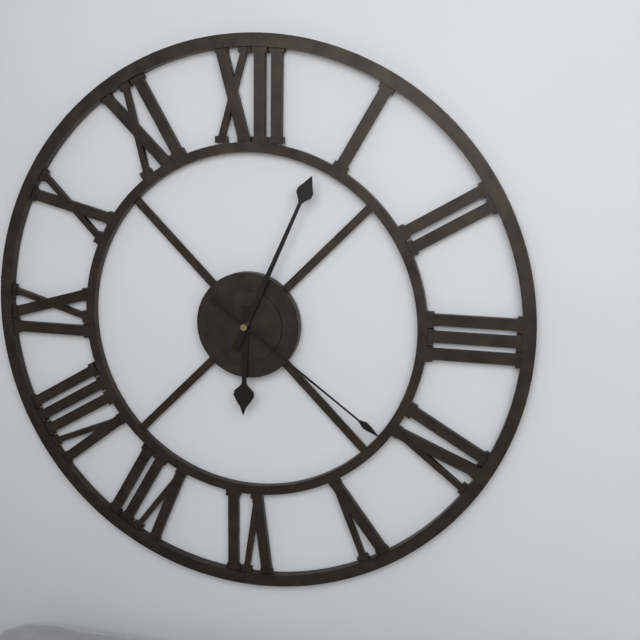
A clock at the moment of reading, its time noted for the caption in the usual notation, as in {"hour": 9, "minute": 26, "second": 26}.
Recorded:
{"hour": 6, "minute": 4, "second": 21}
